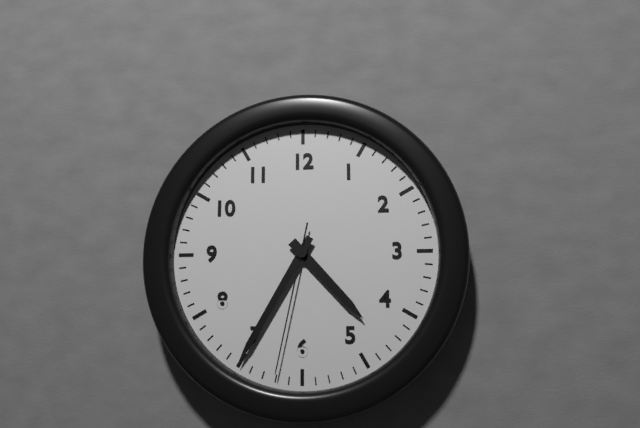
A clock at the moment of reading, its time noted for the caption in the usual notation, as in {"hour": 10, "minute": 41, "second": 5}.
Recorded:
{"hour": 4, "minute": 35, "second": 32}
